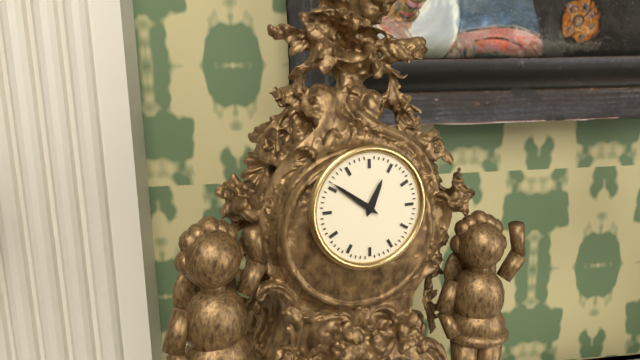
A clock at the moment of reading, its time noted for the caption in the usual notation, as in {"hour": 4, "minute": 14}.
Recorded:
{"hour": 12, "minute": 51}
